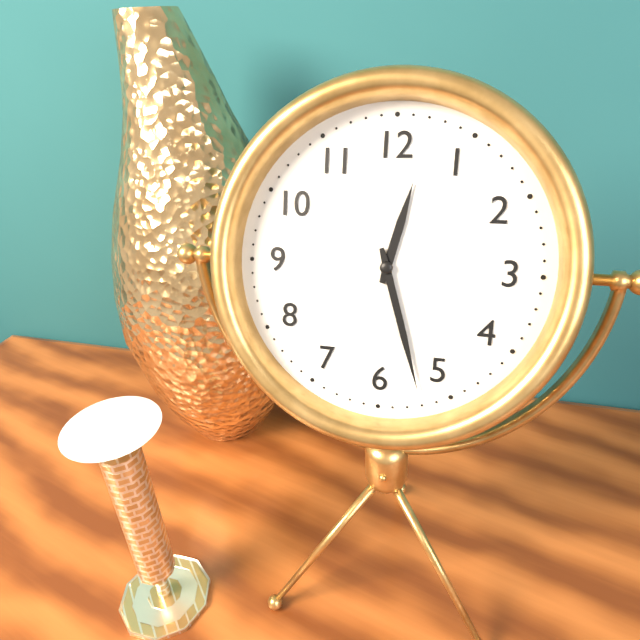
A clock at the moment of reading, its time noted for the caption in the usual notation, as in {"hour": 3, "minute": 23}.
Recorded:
{"hour": 12, "minute": 27}
